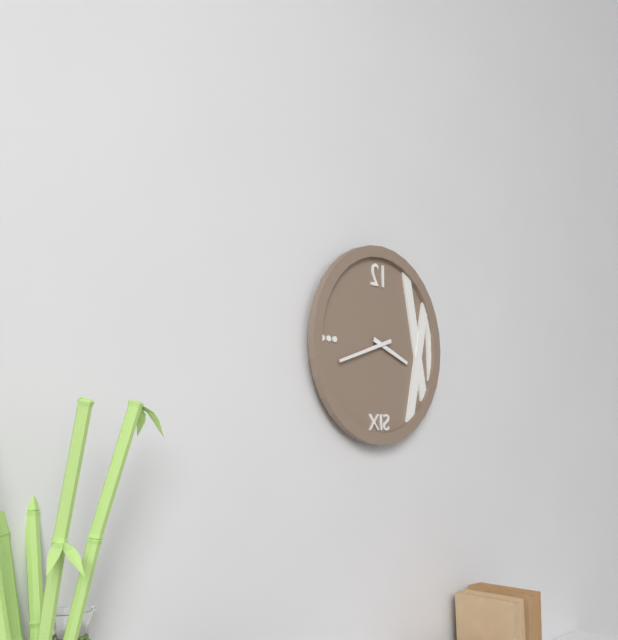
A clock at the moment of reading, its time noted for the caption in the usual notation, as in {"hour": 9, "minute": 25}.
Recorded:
{"hour": 3, "minute": 42}
